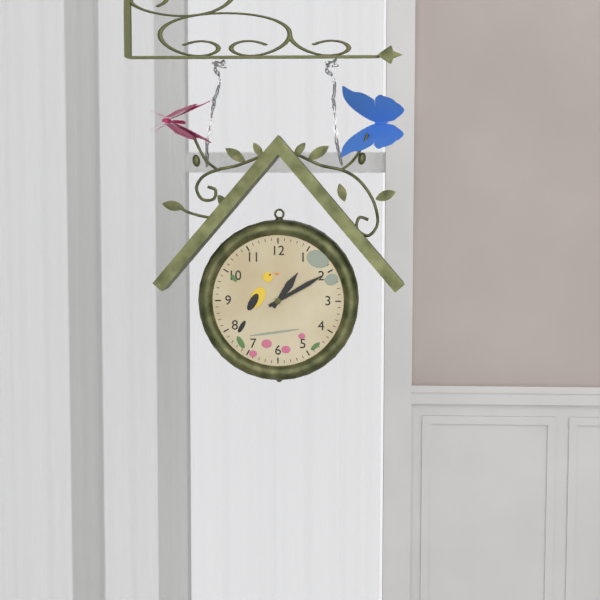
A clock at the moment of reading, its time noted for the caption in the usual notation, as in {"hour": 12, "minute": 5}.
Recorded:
{"hour": 1, "minute": 10}
